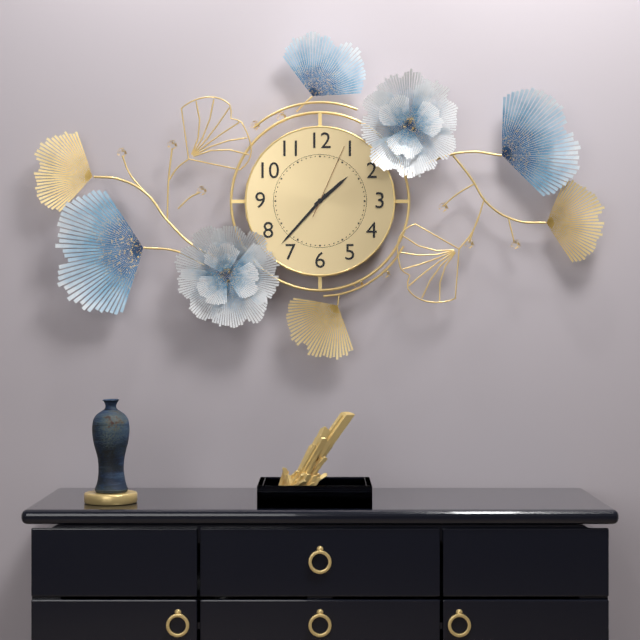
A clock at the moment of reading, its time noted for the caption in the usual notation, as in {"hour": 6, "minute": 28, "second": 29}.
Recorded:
{"hour": 1, "minute": 37, "second": 4}
